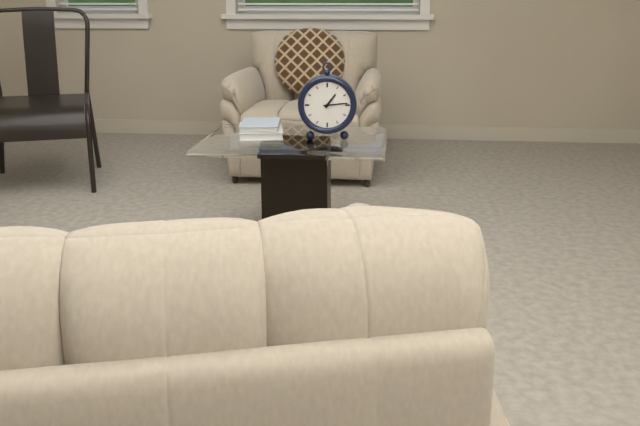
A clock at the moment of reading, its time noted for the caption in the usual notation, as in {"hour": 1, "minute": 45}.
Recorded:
{"hour": 1, "minute": 14}
